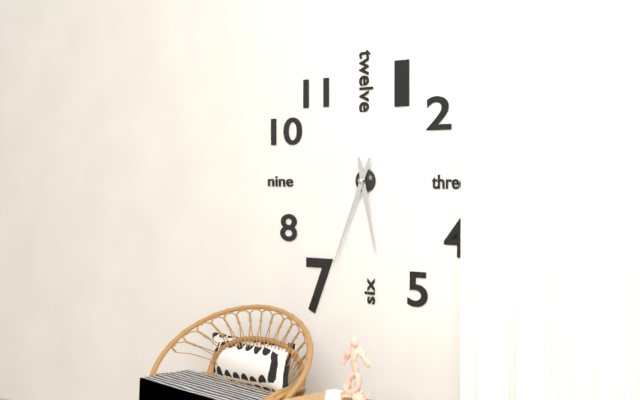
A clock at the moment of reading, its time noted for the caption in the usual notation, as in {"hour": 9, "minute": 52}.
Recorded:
{"hour": 5, "minute": 34}
